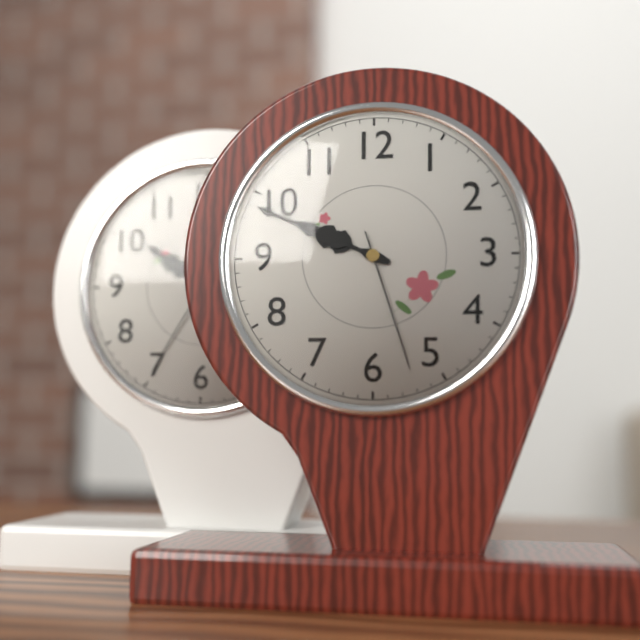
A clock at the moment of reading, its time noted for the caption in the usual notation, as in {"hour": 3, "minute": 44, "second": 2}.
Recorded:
{"hour": 9, "minute": 49, "second": 27}
